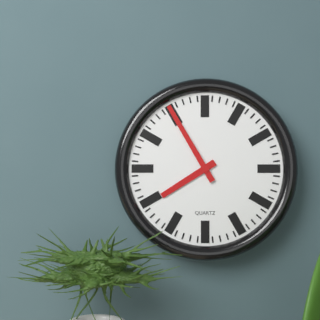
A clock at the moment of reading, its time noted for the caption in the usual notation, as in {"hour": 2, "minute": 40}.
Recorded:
{"hour": 7, "minute": 55}
